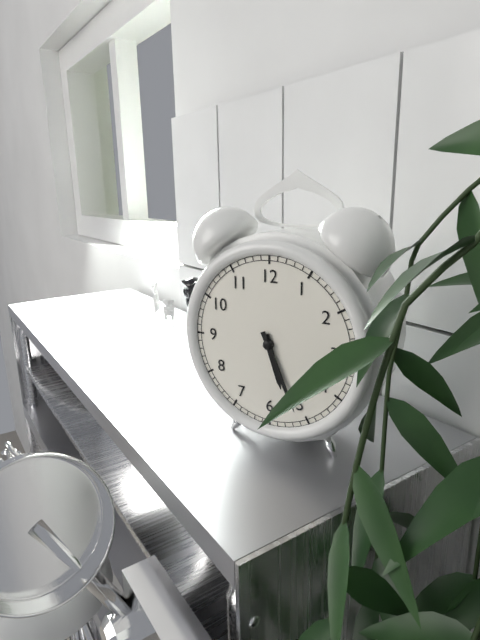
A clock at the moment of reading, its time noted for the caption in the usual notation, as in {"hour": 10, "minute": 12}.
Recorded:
{"hour": 5, "minute": 26}
